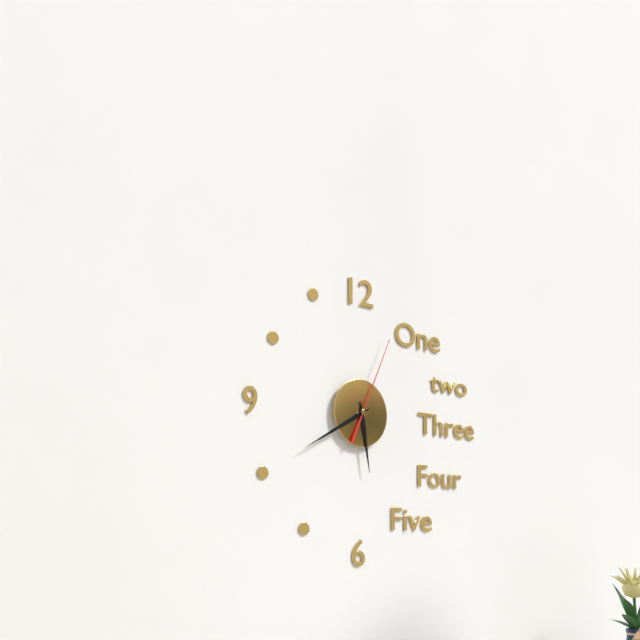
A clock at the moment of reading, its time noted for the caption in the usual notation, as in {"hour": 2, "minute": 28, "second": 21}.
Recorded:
{"hour": 5, "minute": 40, "second": 4}
